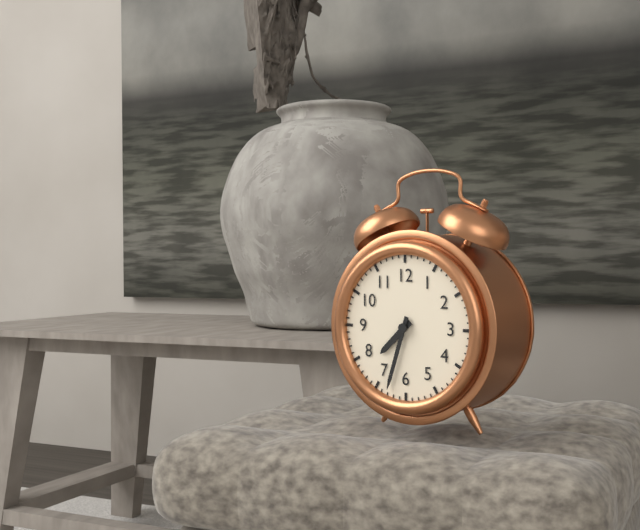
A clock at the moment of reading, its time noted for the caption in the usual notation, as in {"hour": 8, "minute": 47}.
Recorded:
{"hour": 7, "minute": 33}
